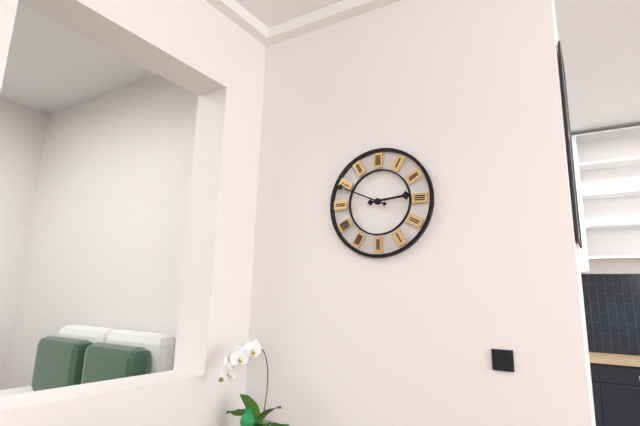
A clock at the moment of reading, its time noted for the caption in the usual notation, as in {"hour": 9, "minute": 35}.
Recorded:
{"hour": 2, "minute": 49}
